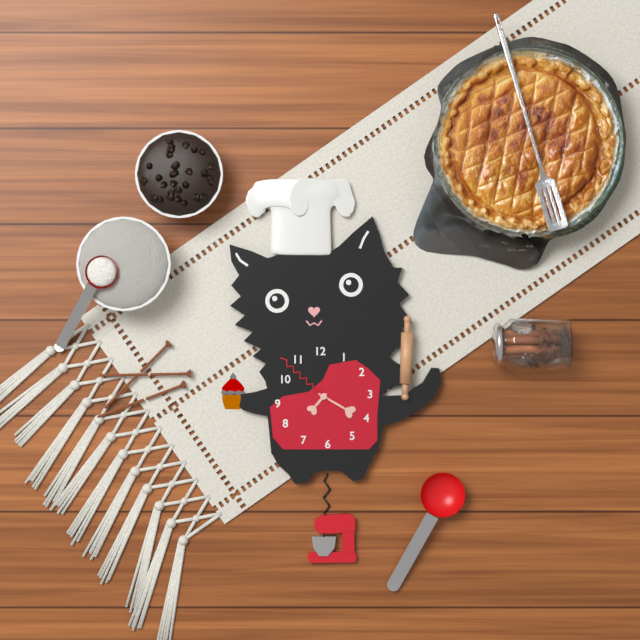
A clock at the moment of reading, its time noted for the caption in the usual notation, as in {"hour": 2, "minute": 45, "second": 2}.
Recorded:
{"hour": 7, "minute": 20, "second": 52}
